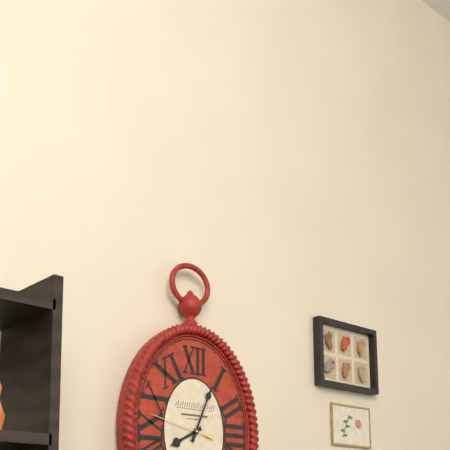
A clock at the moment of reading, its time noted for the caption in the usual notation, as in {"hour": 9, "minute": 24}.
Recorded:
{"hour": 8, "minute": 4}
